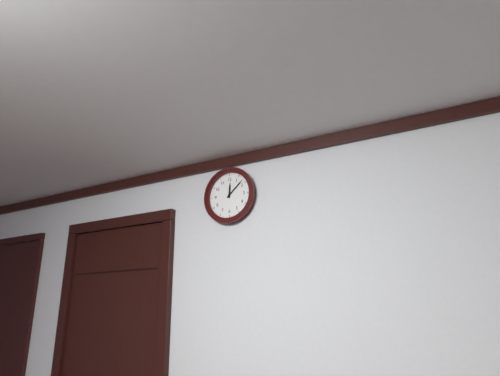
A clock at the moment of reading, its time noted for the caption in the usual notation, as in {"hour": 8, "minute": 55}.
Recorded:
{"hour": 12, "minute": 8}
